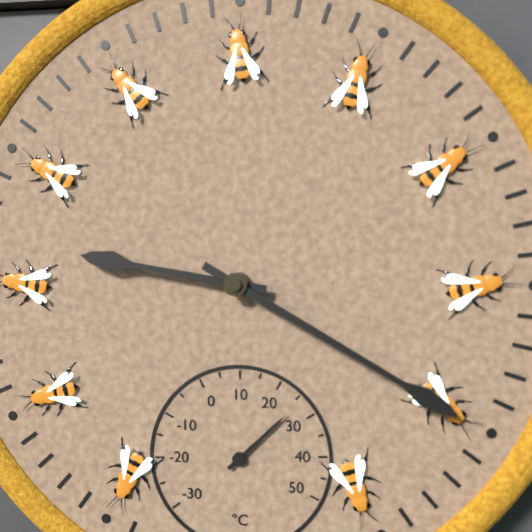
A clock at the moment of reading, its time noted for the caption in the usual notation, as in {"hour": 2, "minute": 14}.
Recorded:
{"hour": 9, "minute": 20}
